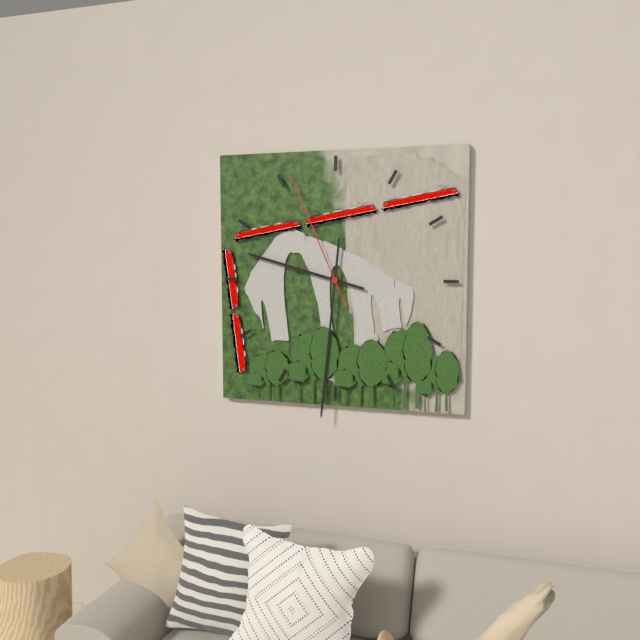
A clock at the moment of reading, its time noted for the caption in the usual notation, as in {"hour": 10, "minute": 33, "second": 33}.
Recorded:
{"hour": 9, "minute": 31, "second": 56}
